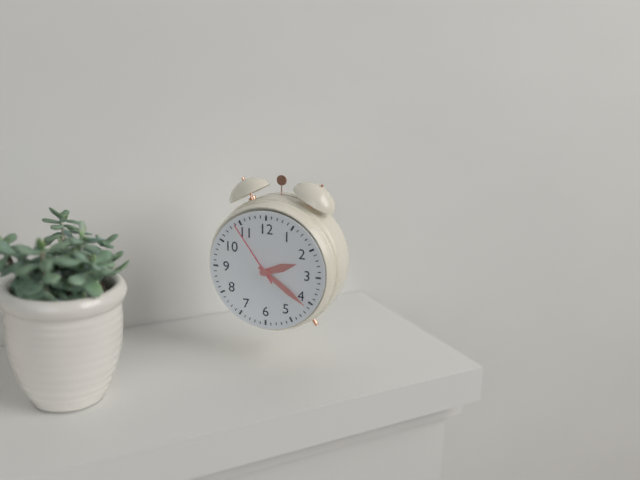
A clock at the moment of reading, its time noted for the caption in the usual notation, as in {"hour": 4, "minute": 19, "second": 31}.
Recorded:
{"hour": 2, "minute": 21, "second": 54}
